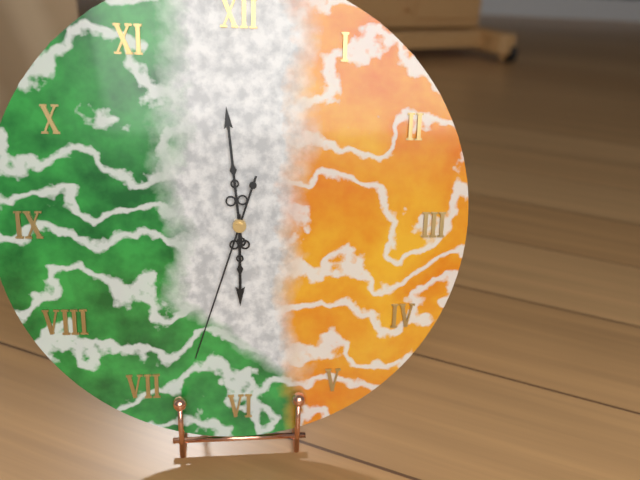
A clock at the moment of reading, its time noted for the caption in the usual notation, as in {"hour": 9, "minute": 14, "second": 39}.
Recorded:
{"hour": 5, "minute": 59, "second": 33}
